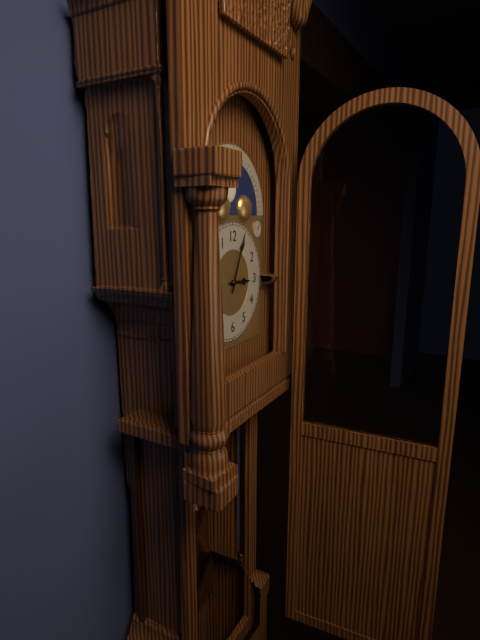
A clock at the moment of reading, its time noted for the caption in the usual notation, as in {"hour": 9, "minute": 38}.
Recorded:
{"hour": 3, "minute": 4}
